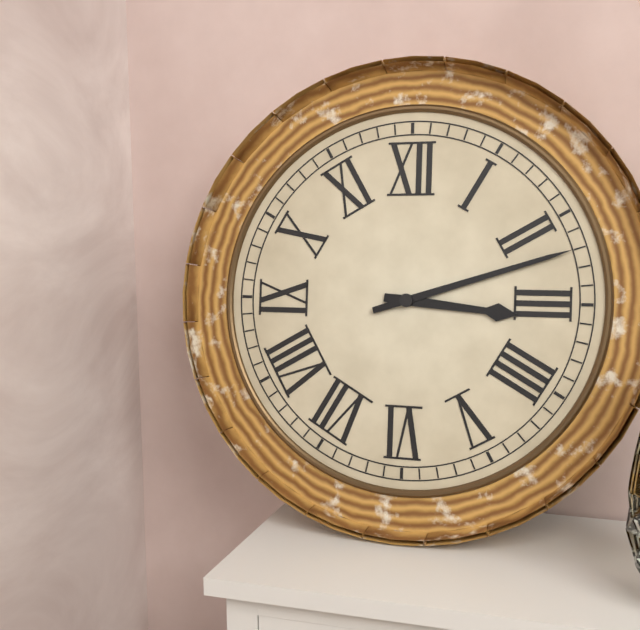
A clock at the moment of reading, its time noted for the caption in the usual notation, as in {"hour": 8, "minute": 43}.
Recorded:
{"hour": 3, "minute": 12}
